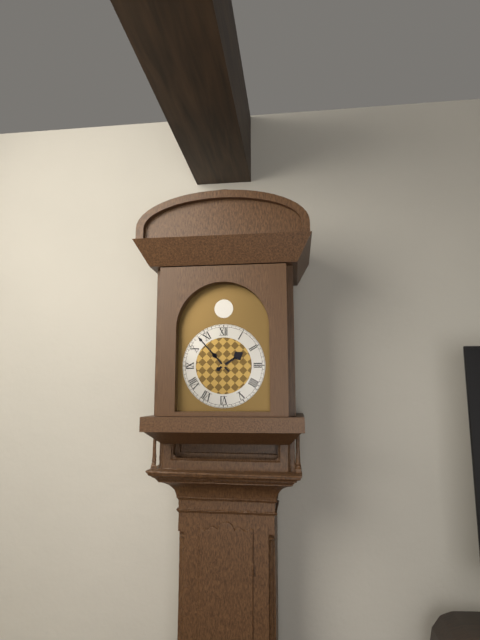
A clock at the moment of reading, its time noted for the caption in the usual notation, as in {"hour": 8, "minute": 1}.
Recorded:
{"hour": 1, "minute": 53}
